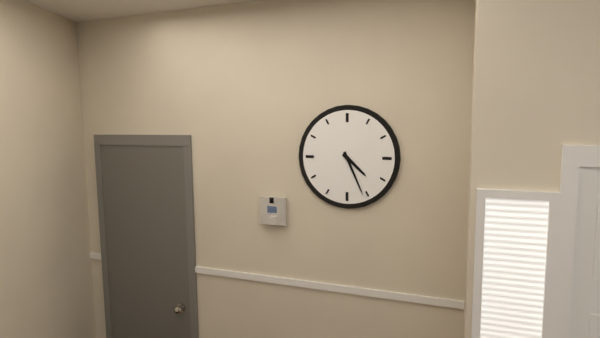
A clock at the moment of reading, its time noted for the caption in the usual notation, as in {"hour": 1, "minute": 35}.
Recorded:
{"hour": 4, "minute": 26}
